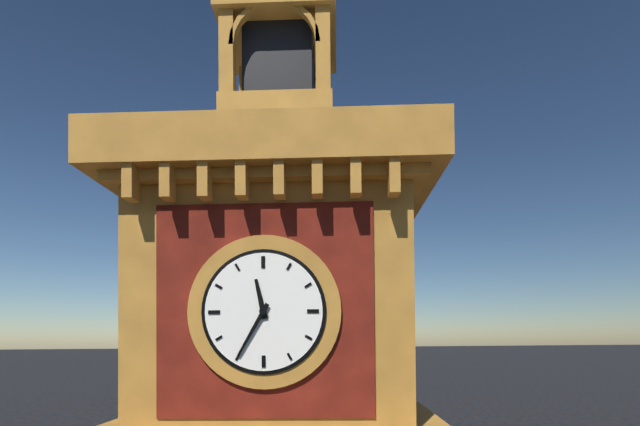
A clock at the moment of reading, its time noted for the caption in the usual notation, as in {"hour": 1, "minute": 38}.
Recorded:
{"hour": 11, "minute": 35}
